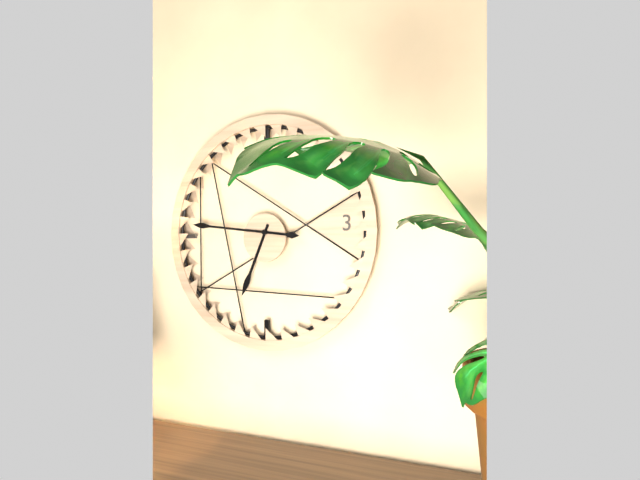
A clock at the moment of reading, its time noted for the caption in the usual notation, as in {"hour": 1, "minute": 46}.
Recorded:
{"hour": 6, "minute": 46}
